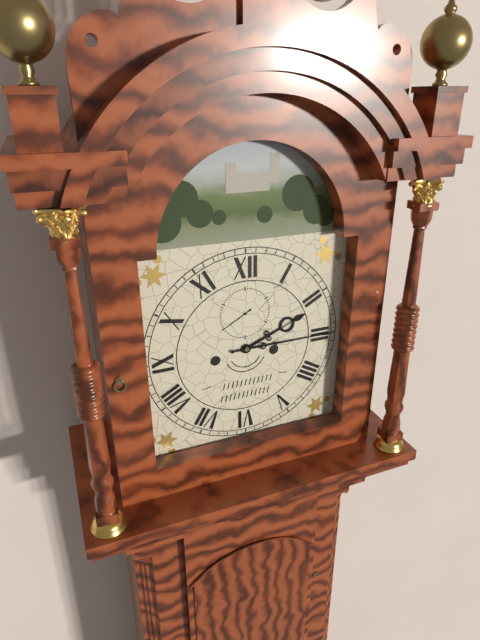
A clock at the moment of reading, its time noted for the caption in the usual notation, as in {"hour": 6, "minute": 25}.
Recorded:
{"hour": 2, "minute": 15}
